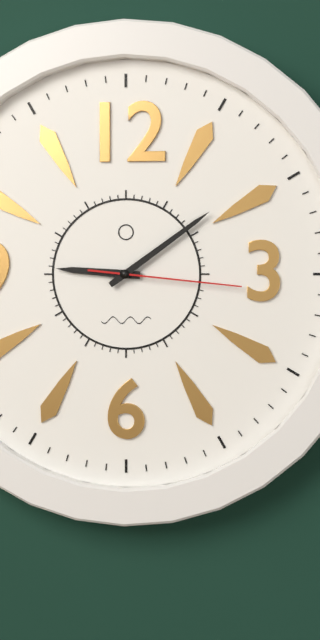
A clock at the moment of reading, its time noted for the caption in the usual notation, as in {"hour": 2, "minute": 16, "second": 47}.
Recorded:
{"hour": 9, "minute": 9, "second": 16}
